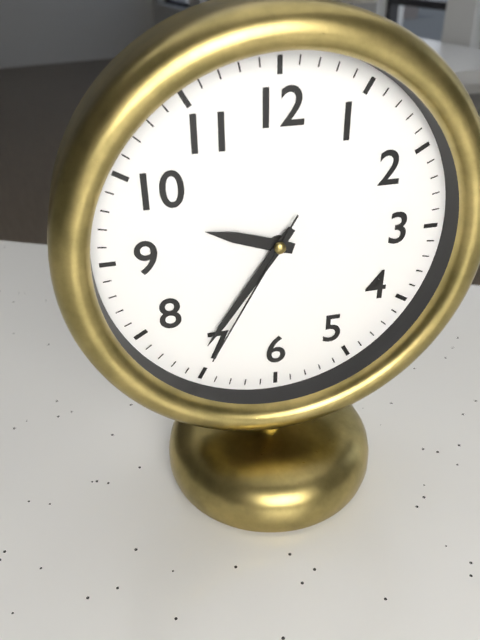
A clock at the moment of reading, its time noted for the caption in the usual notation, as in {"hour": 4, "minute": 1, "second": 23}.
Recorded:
{"hour": 9, "minute": 36, "second": 35}
